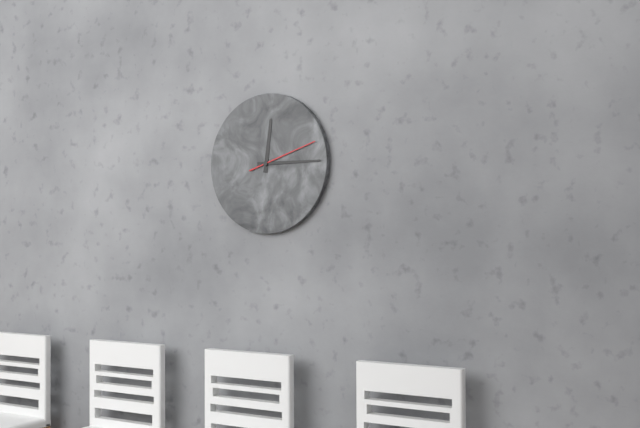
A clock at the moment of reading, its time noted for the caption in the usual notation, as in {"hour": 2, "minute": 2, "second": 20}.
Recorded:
{"hour": 12, "minute": 15, "second": 12}
